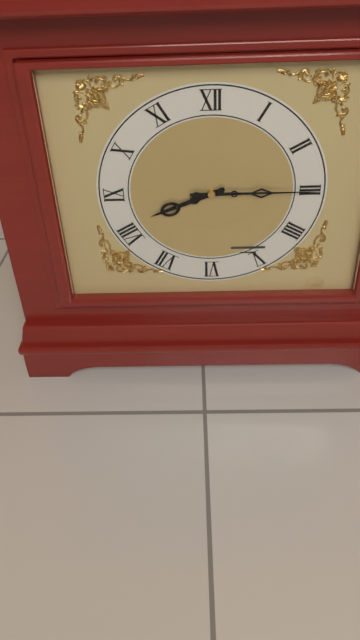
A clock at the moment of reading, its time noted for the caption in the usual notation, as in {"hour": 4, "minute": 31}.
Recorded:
{"hour": 8, "minute": 15}
